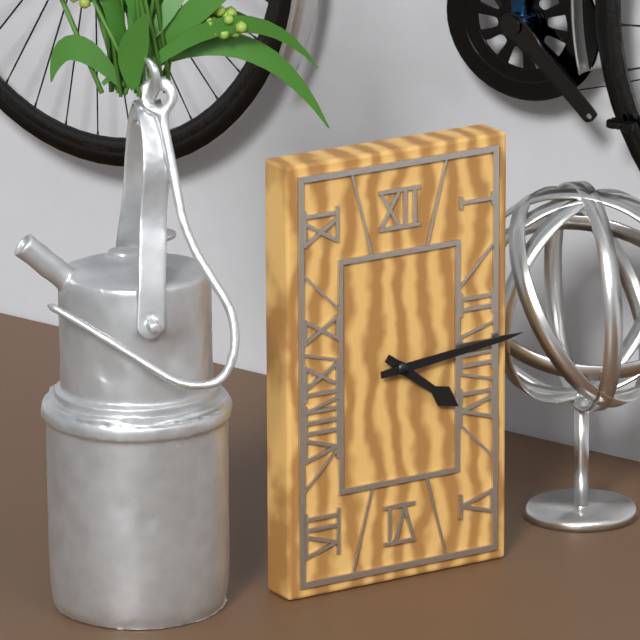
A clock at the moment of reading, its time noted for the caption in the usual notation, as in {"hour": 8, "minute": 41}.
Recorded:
{"hour": 4, "minute": 14}
